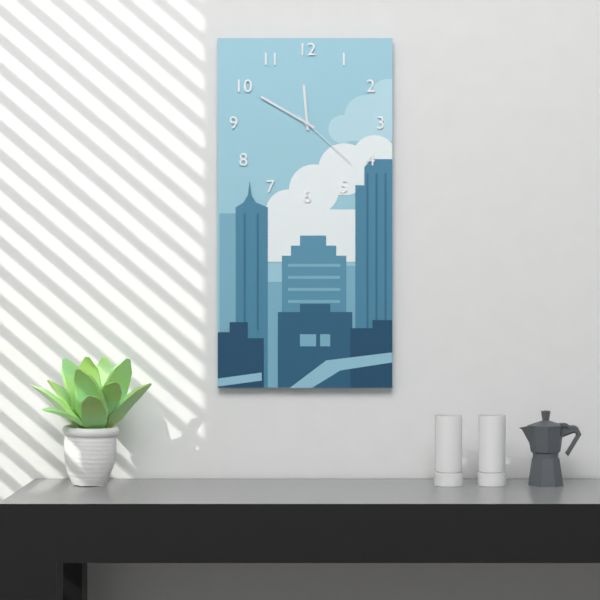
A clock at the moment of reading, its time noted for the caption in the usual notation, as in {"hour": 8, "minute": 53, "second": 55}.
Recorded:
{"hour": 11, "minute": 50, "second": 22}
